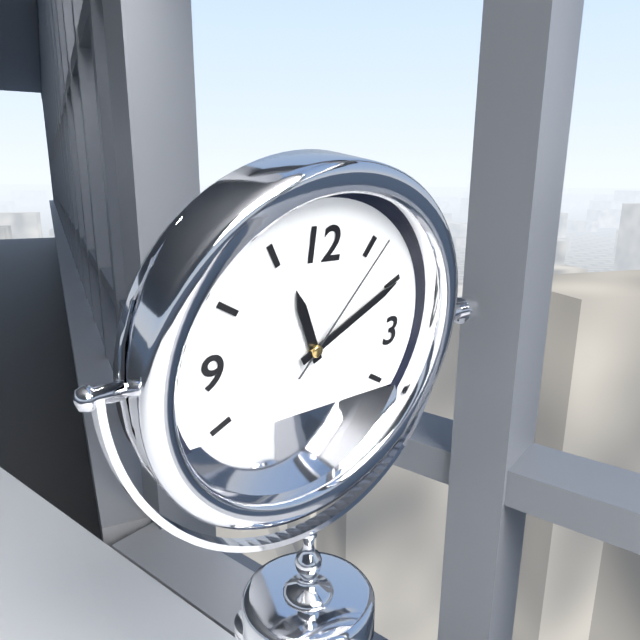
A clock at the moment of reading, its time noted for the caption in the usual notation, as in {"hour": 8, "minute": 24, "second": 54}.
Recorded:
{"hour": 11, "minute": 10, "second": 6}
